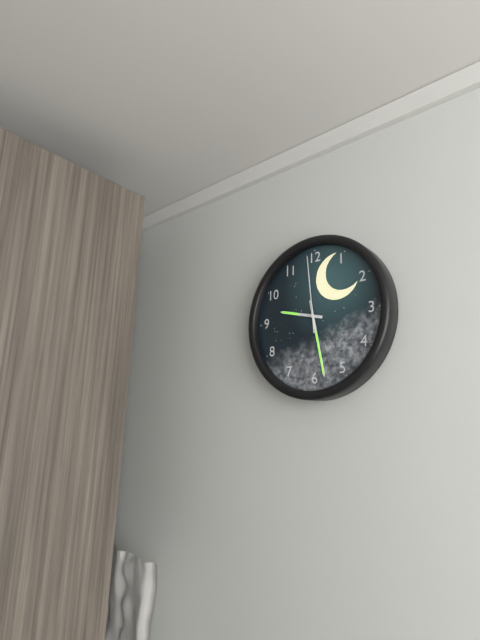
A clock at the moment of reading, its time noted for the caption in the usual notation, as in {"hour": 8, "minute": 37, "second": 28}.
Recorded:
{"hour": 9, "minute": 28, "second": 59}
